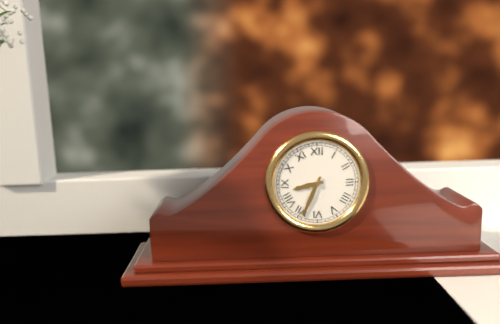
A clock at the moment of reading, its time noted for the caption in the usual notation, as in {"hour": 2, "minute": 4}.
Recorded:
{"hour": 8, "minute": 34}
